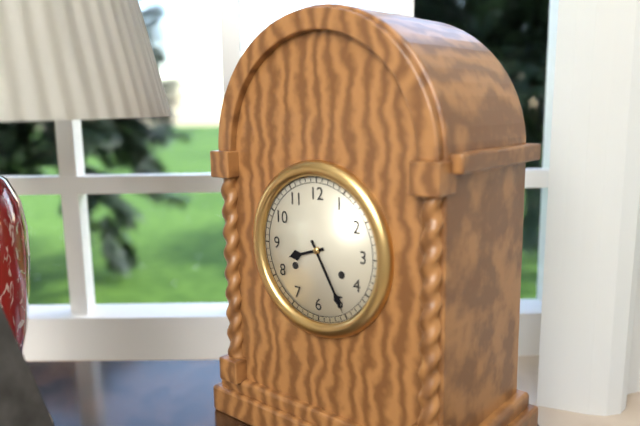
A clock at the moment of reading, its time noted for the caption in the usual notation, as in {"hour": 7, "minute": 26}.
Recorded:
{"hour": 8, "minute": 25}
